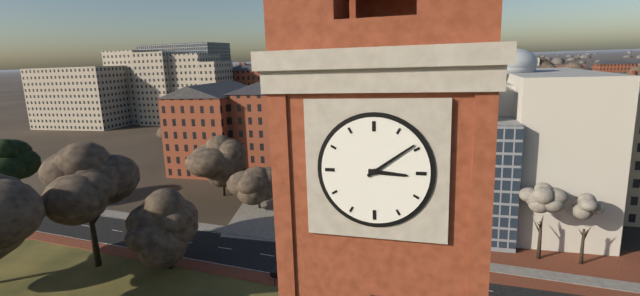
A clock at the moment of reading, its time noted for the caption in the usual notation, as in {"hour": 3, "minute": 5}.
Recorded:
{"hour": 3, "minute": 9}
